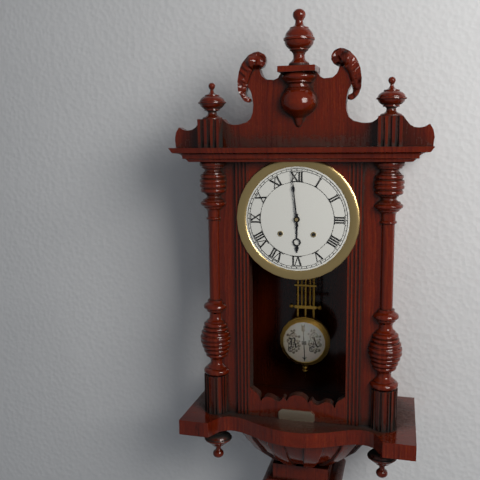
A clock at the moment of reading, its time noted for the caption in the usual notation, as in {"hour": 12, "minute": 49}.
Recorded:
{"hour": 5, "minute": 59}
